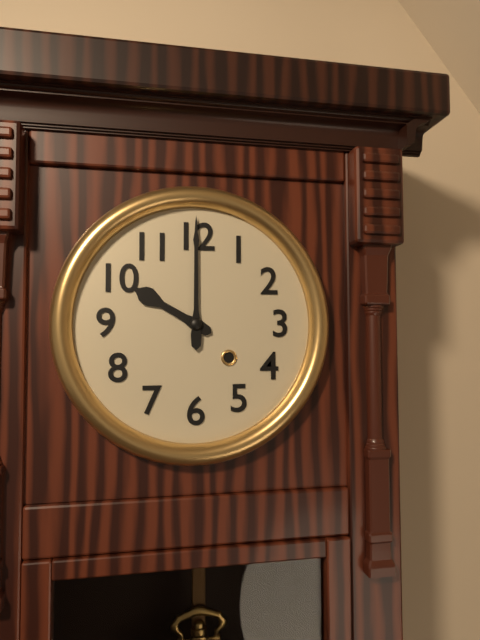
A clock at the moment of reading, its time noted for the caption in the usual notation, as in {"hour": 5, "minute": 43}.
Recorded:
{"hour": 10, "minute": 0}
